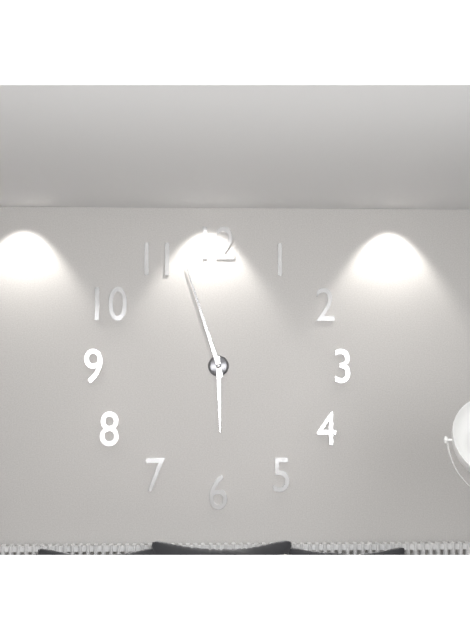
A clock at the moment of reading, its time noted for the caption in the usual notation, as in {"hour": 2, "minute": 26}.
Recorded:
{"hour": 5, "minute": 57}
